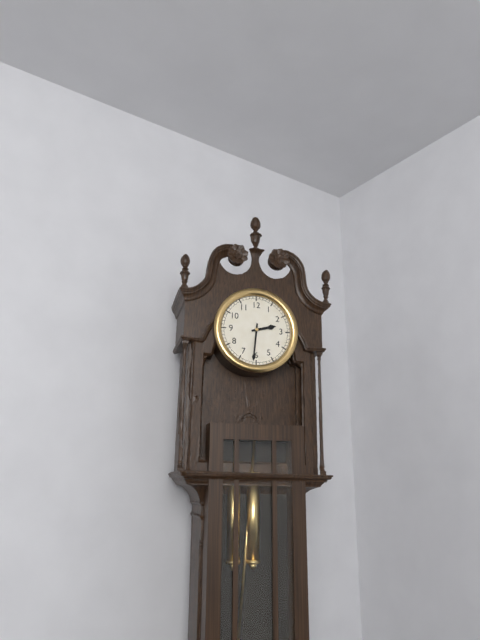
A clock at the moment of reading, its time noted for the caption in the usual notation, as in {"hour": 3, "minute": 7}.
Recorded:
{"hour": 2, "minute": 31}
